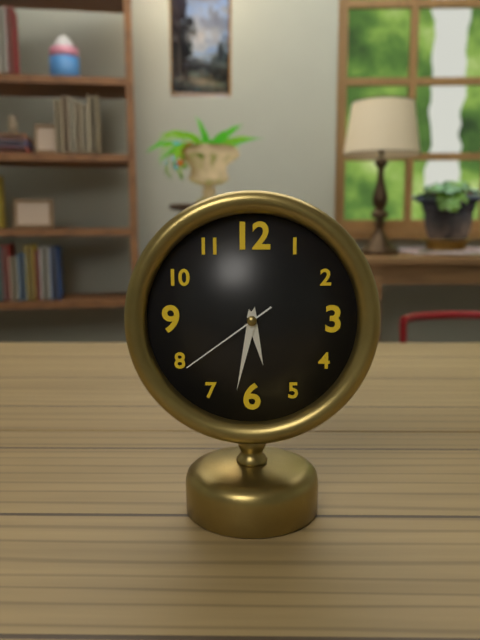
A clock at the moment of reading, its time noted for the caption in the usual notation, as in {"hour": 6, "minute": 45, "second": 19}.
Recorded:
{"hour": 5, "minute": 32, "second": 39}
